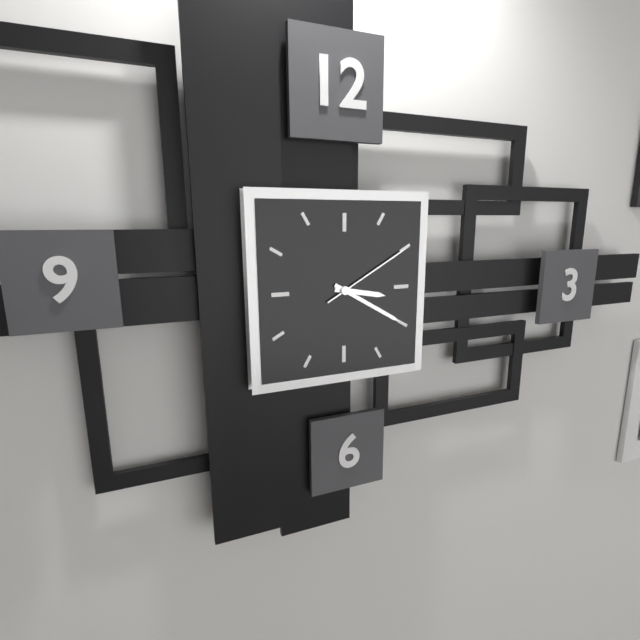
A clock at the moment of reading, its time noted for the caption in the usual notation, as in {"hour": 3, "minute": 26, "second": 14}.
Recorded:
{"hour": 3, "minute": 20, "second": 10}
